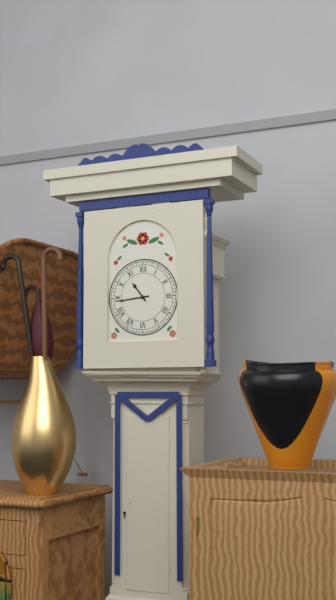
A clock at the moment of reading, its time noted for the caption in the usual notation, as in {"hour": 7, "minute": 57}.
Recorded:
{"hour": 10, "minute": 44}
